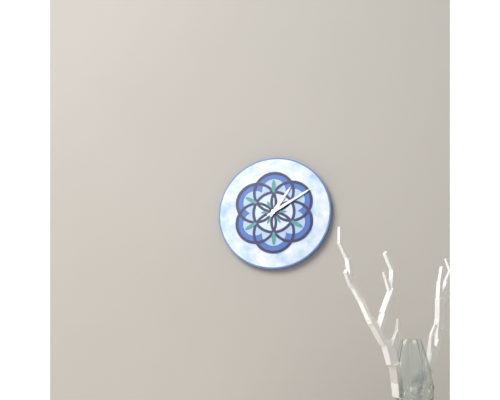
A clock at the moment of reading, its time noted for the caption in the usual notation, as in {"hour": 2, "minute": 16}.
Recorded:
{"hour": 1, "minute": 10}
